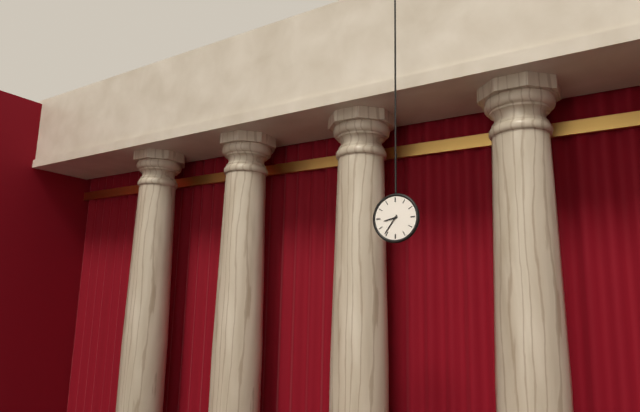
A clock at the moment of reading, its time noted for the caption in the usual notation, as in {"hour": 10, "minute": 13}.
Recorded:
{"hour": 8, "minute": 36}
